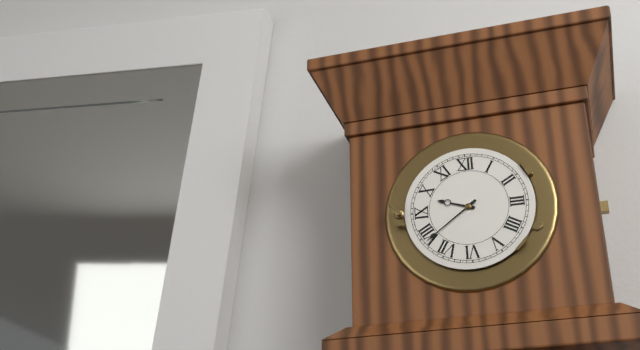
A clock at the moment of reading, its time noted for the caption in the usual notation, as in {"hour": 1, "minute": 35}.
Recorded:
{"hour": 9, "minute": 39}
